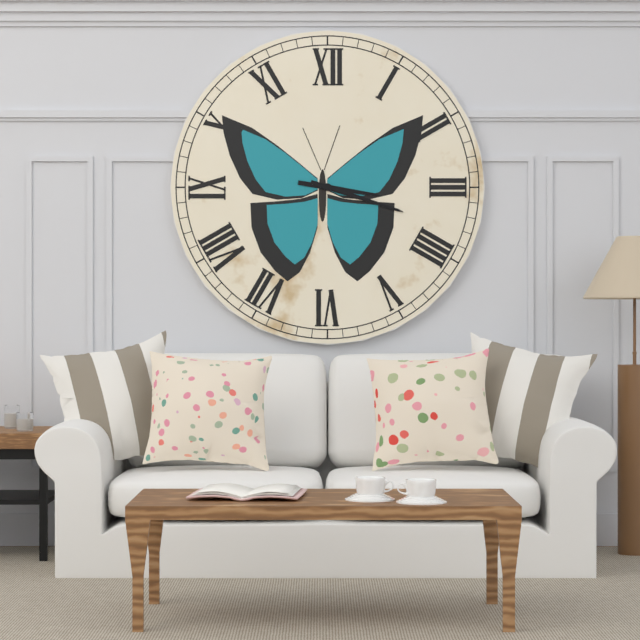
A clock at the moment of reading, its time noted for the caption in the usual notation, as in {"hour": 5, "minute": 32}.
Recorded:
{"hour": 3, "minute": 18}
